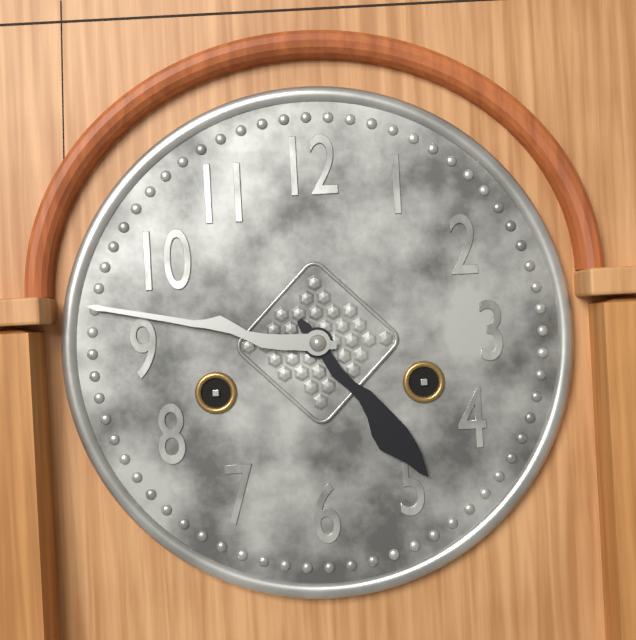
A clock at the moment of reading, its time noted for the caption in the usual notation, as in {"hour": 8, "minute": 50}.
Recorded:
{"hour": 4, "minute": 47}
